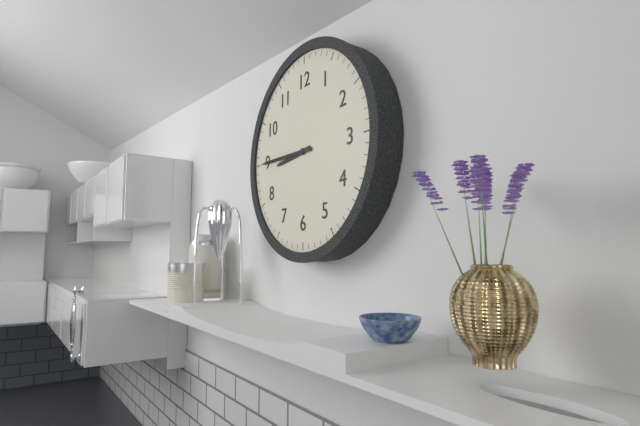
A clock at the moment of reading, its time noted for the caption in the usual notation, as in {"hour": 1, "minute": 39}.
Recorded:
{"hour": 8, "minute": 45}
